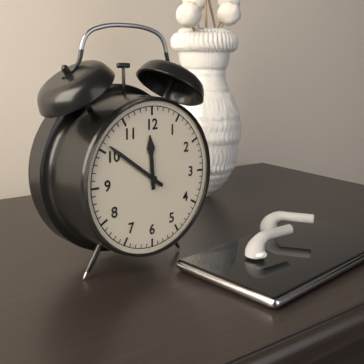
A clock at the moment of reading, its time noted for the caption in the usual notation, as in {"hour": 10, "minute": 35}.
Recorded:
{"hour": 11, "minute": 51}
